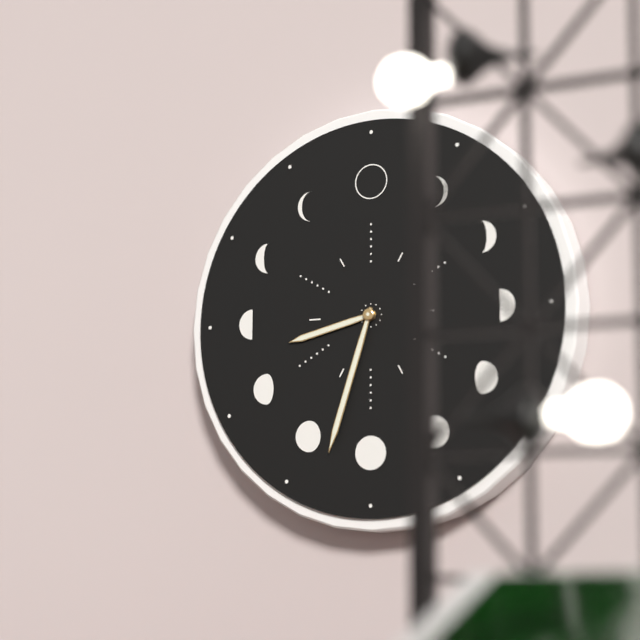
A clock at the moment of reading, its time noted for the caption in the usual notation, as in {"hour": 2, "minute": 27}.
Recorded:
{"hour": 8, "minute": 33}
